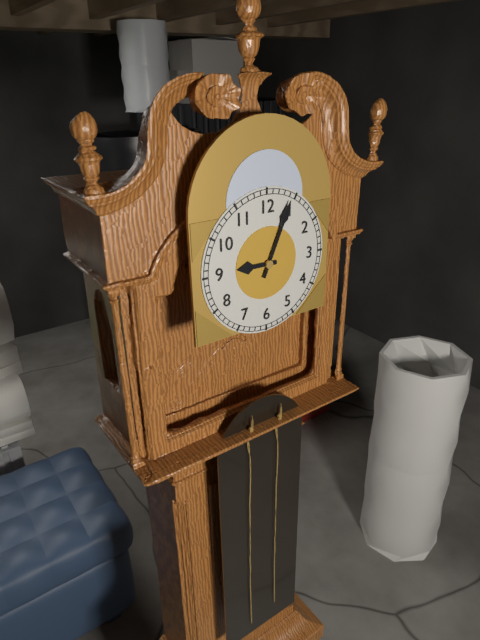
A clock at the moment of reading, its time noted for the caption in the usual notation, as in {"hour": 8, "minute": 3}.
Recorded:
{"hour": 9, "minute": 4}
